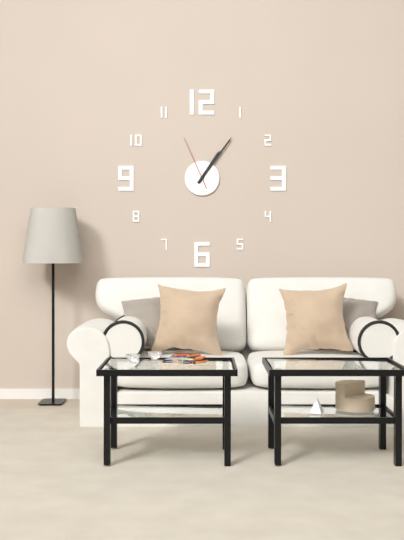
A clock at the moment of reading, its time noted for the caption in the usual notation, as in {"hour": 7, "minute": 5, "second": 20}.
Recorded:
{"hour": 1, "minute": 6, "second": 56}
